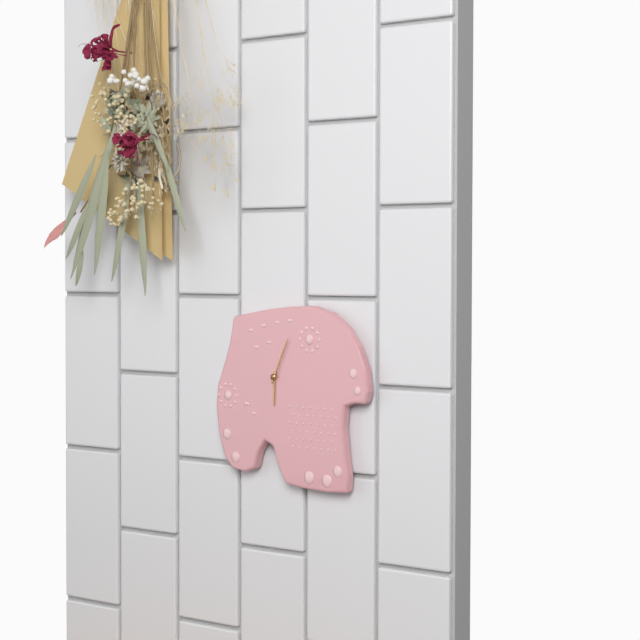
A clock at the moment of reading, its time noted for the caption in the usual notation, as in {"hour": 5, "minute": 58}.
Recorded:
{"hour": 6, "minute": 4}
